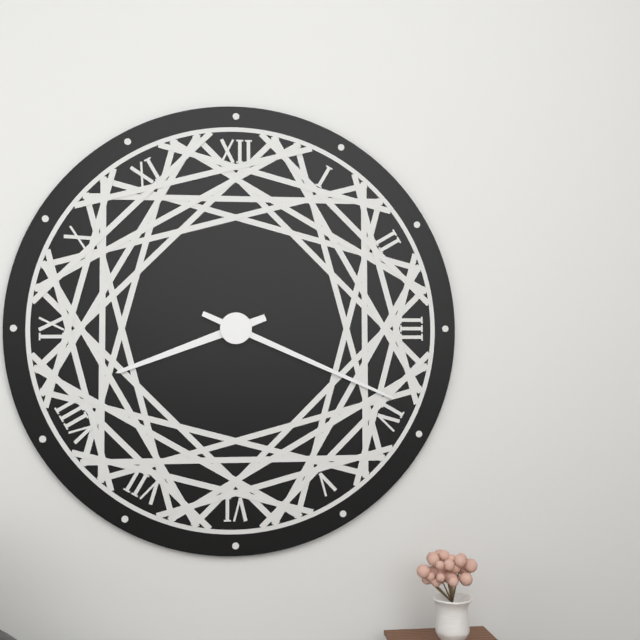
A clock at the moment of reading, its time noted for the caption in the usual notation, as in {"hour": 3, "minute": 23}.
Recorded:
{"hour": 8, "minute": 19}
